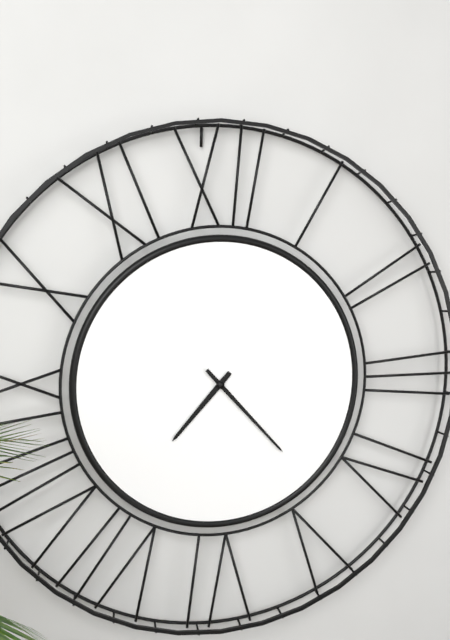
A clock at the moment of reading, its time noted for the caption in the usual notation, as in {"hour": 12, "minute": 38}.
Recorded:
{"hour": 7, "minute": 23}
